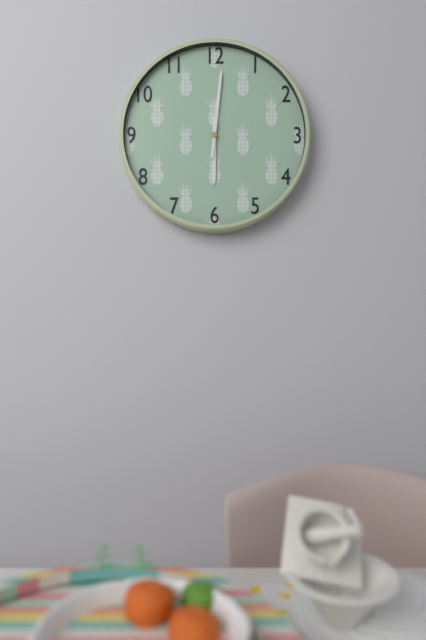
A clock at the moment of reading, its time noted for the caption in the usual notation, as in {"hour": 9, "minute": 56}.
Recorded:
{"hour": 6, "minute": 1}
